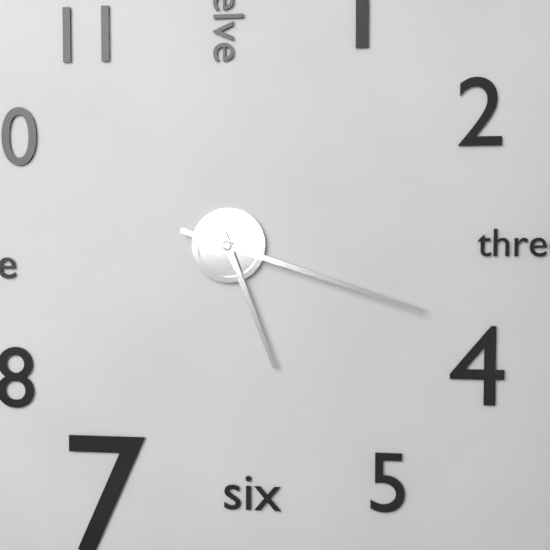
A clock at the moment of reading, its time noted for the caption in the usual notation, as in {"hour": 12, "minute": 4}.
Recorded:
{"hour": 5, "minute": 18}
